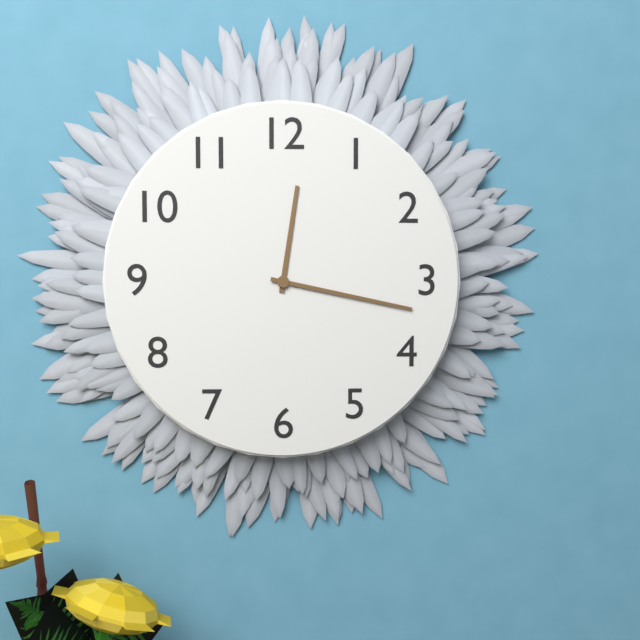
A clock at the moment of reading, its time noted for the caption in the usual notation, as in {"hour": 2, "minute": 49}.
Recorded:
{"hour": 12, "minute": 17}
